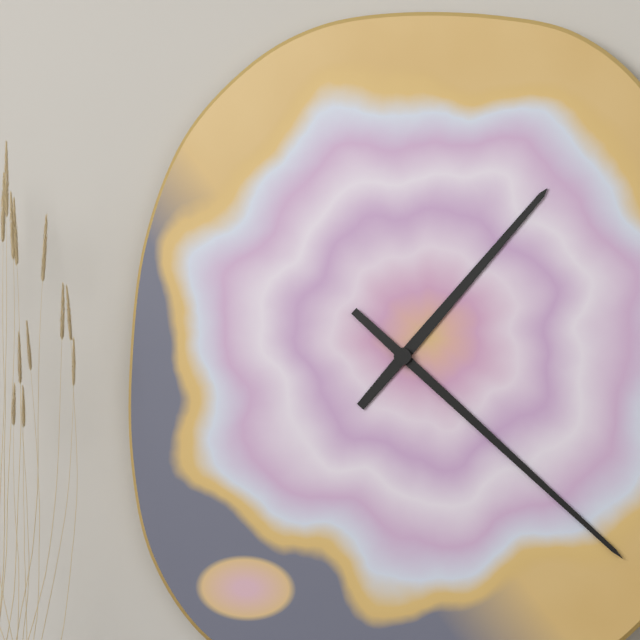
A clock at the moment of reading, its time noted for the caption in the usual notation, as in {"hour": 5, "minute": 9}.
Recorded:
{"hour": 1, "minute": 22}
